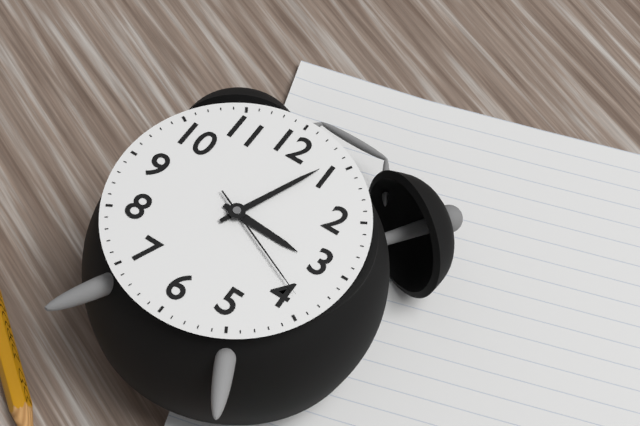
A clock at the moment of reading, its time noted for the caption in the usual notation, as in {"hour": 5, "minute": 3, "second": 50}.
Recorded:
{"hour": 3, "minute": 4, "second": 19}
